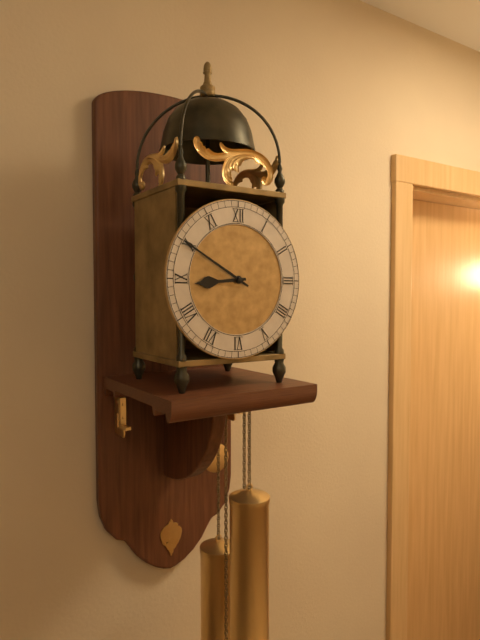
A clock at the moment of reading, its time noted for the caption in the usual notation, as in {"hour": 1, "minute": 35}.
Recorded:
{"hour": 8, "minute": 50}
